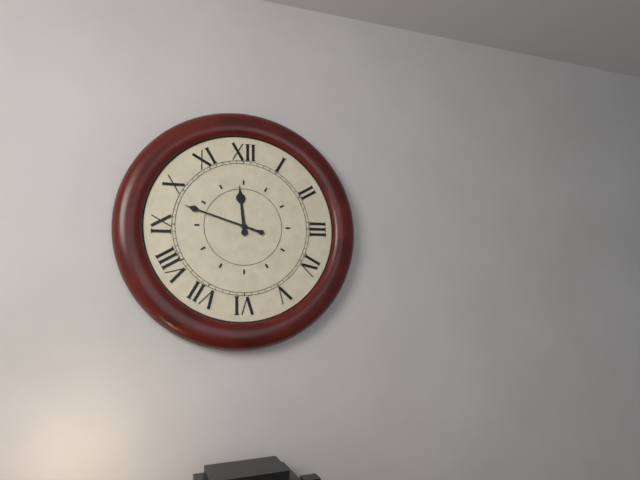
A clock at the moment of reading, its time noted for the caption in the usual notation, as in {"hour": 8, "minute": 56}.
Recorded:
{"hour": 11, "minute": 48}
